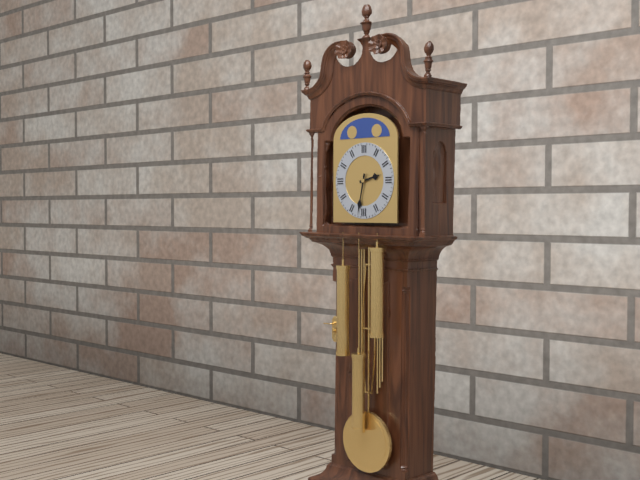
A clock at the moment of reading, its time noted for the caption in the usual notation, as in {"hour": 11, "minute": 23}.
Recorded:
{"hour": 2, "minute": 32}
